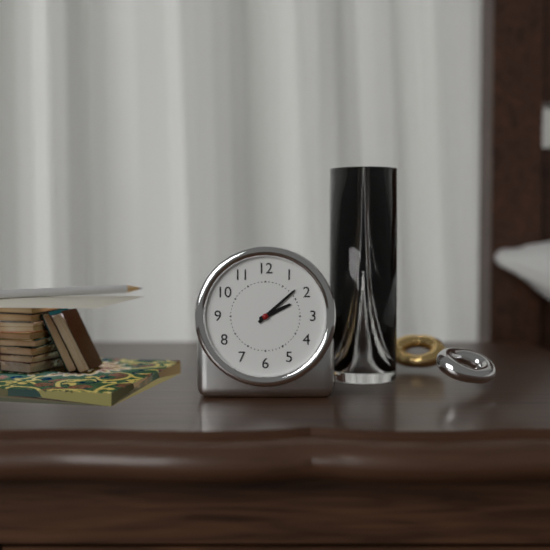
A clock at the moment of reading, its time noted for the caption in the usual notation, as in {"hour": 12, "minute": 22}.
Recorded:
{"hour": 2, "minute": 8}
